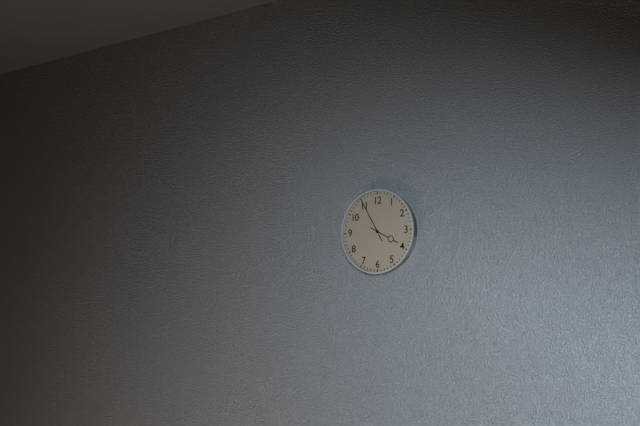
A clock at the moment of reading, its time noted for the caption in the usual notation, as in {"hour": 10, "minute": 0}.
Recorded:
{"hour": 3, "minute": 55}
